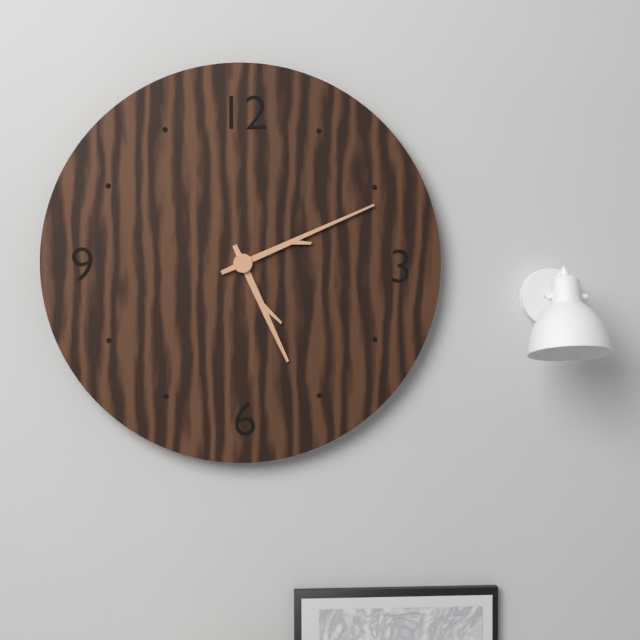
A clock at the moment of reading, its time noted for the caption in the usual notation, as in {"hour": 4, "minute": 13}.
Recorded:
{"hour": 5, "minute": 11}
